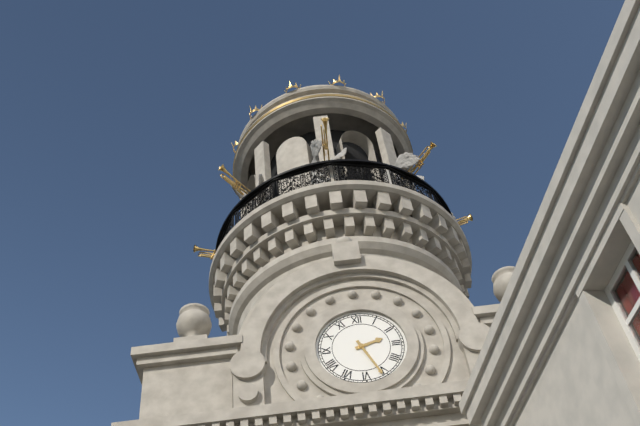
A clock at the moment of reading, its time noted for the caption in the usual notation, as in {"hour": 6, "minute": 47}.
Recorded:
{"hour": 2, "minute": 26}
